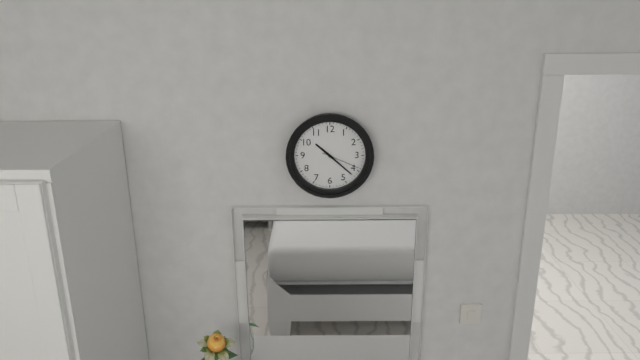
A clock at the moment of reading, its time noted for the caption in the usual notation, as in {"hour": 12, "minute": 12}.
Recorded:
{"hour": 10, "minute": 22}
